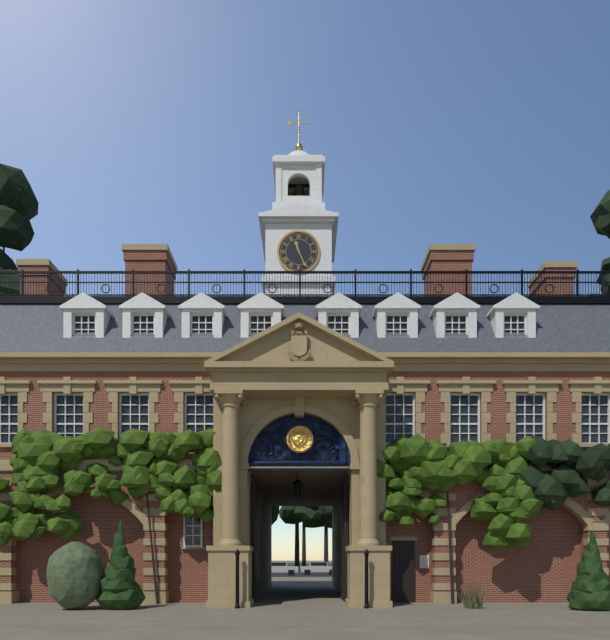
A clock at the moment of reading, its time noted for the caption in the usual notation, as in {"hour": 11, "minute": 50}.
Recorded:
{"hour": 11, "minute": 26}
